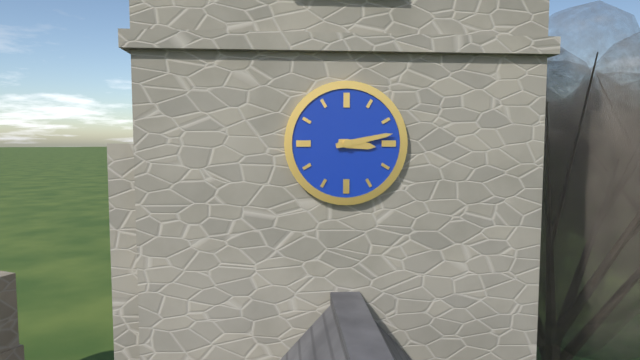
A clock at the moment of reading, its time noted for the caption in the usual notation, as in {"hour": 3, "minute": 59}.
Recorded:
{"hour": 3, "minute": 13}
